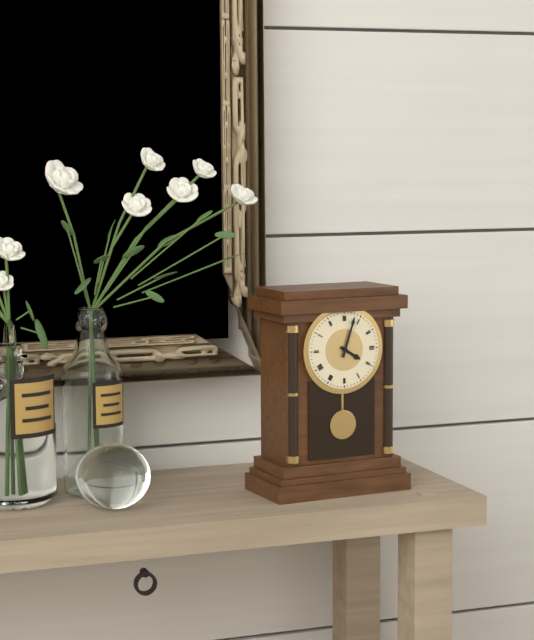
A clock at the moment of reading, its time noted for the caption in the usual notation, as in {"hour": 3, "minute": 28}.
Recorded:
{"hour": 4, "minute": 3}
